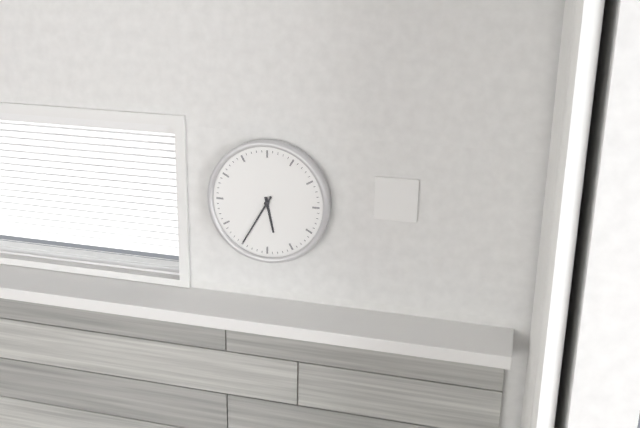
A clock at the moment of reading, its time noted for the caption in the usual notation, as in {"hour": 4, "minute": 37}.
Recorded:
{"hour": 5, "minute": 35}
